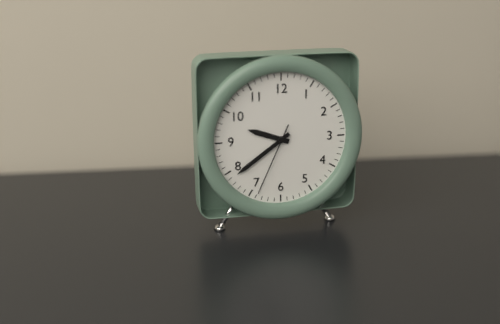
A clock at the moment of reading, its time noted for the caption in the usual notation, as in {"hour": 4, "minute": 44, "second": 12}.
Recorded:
{"hour": 9, "minute": 39, "second": 34}
